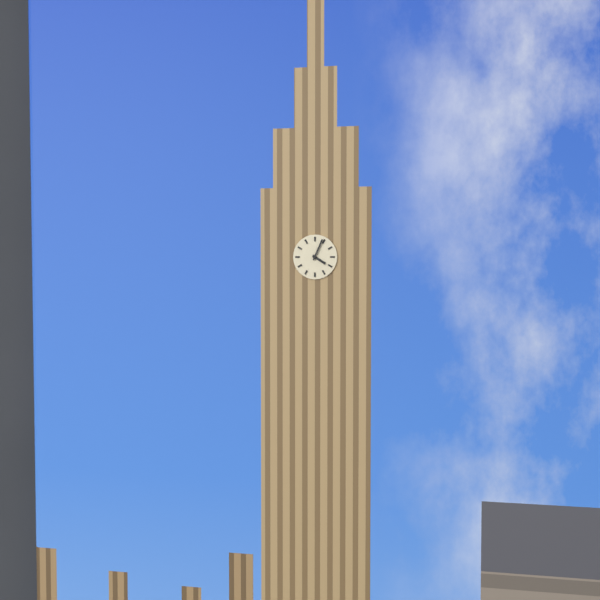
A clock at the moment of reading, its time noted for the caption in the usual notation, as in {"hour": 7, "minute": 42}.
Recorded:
{"hour": 4, "minute": 4}
